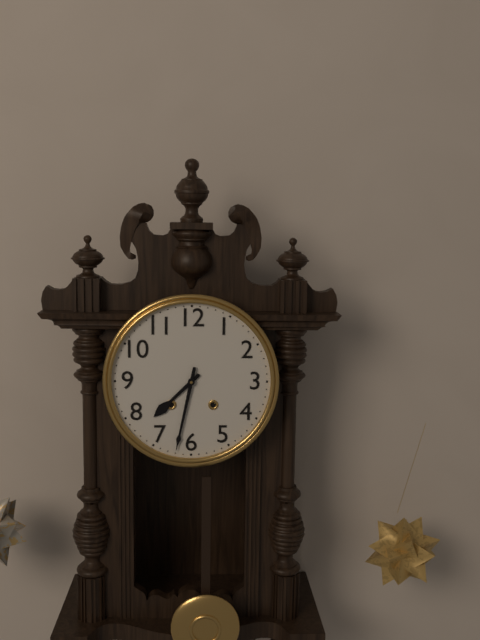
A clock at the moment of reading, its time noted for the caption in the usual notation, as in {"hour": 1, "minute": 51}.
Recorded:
{"hour": 7, "minute": 32}
